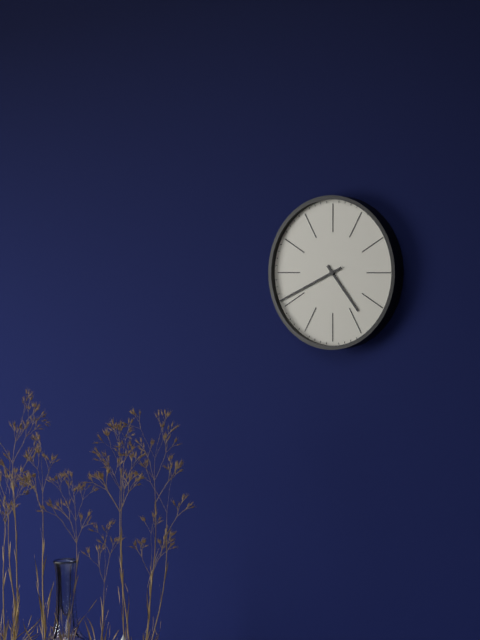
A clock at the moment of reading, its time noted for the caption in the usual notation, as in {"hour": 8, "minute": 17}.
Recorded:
{"hour": 4, "minute": 41}
